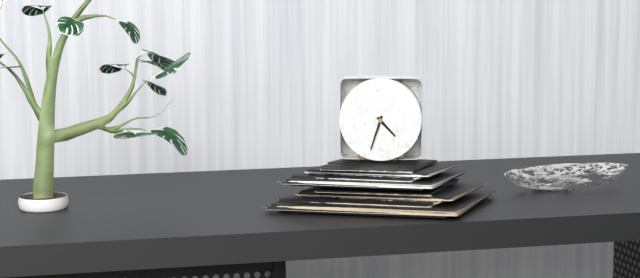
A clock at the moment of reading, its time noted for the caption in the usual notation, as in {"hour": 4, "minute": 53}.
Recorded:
{"hour": 4, "minute": 33}
